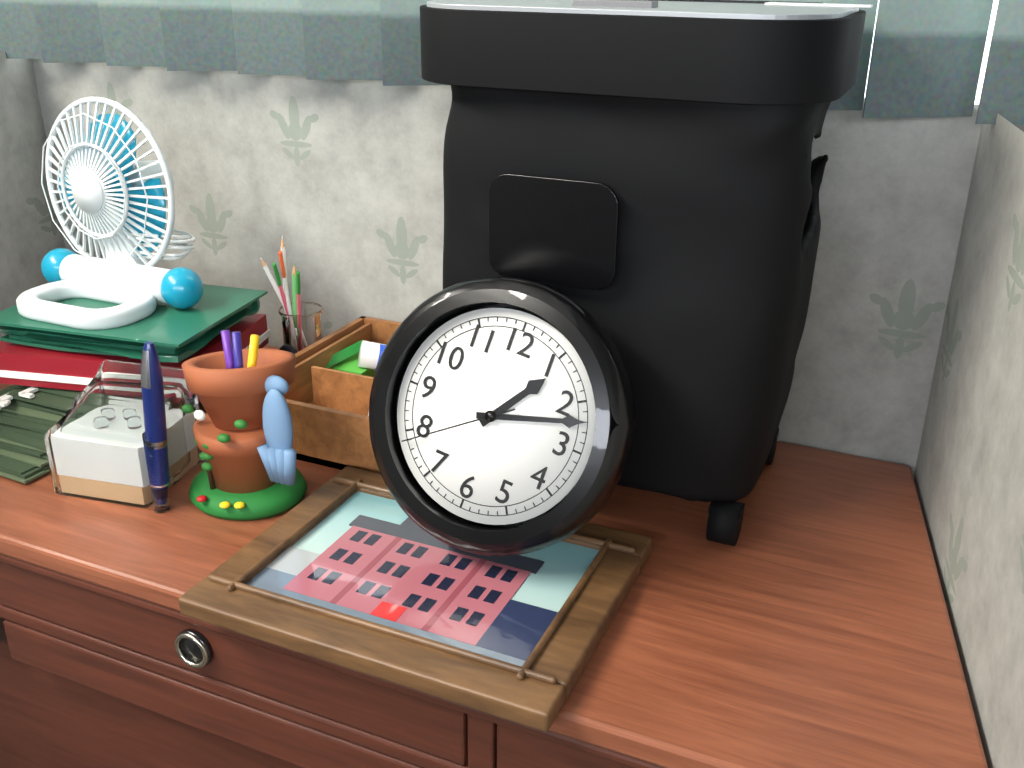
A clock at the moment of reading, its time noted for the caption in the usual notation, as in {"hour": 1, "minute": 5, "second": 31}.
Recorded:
{"hour": 1, "minute": 12, "second": 39}
